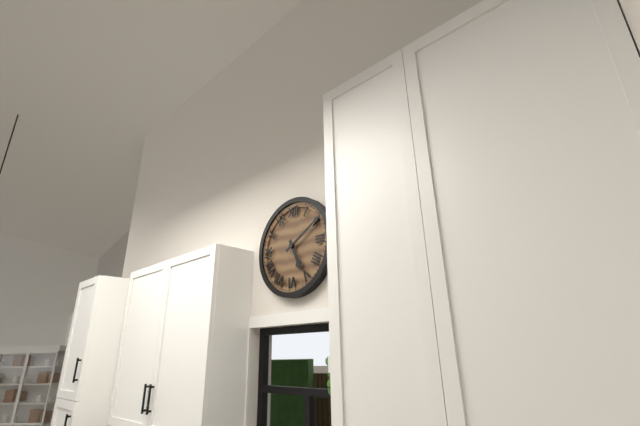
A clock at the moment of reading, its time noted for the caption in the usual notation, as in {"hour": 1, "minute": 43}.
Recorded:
{"hour": 5, "minute": 10}
